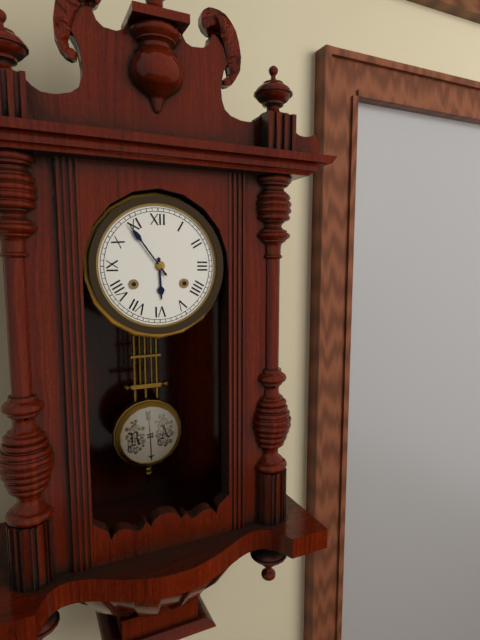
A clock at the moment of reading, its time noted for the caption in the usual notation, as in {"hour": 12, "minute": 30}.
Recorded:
{"hour": 5, "minute": 54}
